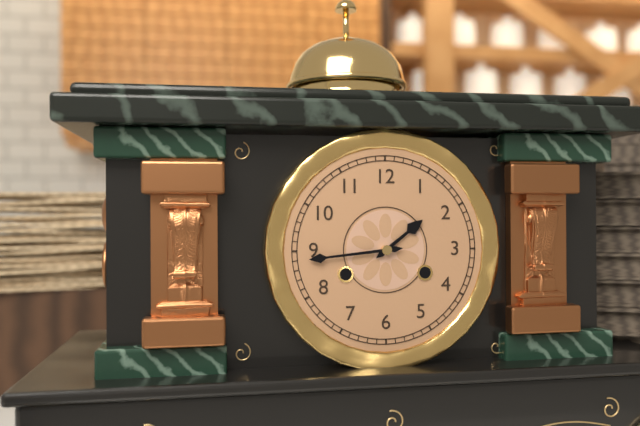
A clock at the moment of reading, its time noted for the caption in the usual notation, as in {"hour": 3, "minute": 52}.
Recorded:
{"hour": 1, "minute": 44}
